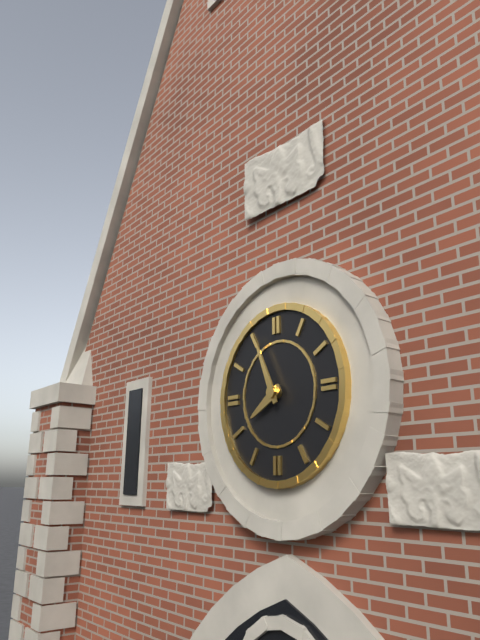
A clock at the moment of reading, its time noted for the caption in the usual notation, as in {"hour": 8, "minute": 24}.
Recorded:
{"hour": 7, "minute": 56}
